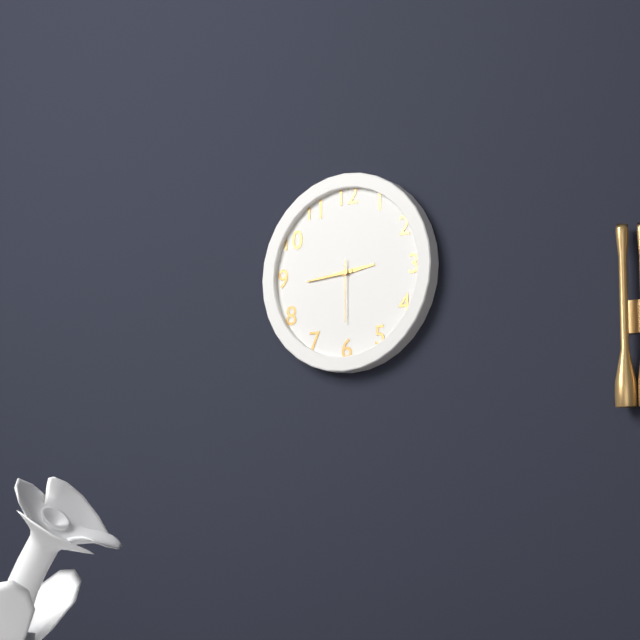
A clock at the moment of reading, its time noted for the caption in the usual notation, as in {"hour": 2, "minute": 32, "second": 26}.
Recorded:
{"hour": 2, "minute": 44, "second": 30}
